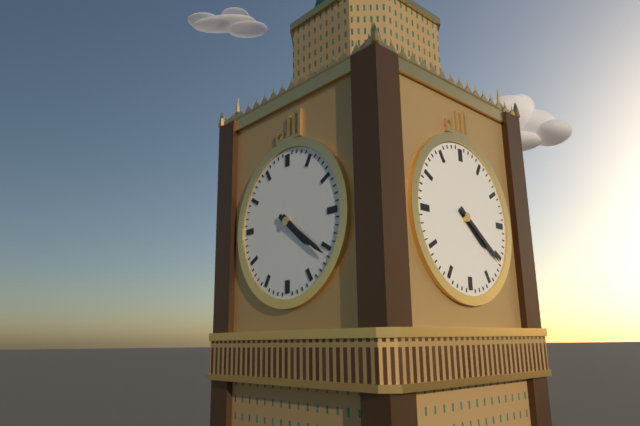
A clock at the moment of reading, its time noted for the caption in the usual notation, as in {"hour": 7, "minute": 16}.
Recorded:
{"hour": 4, "minute": 21}
